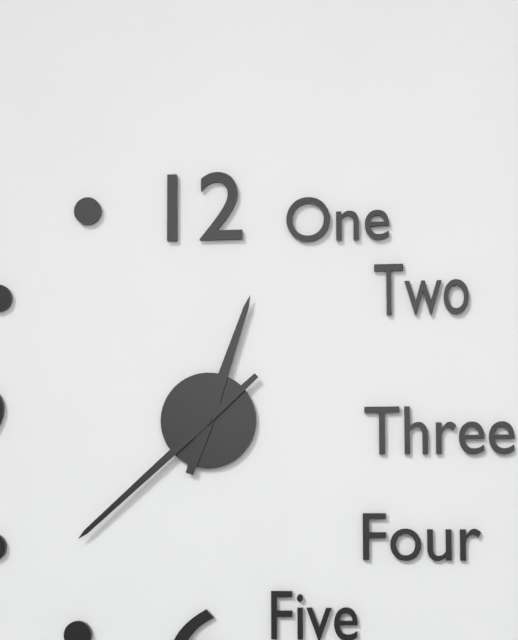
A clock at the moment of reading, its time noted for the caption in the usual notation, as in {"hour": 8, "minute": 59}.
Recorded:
{"hour": 12, "minute": 38}
